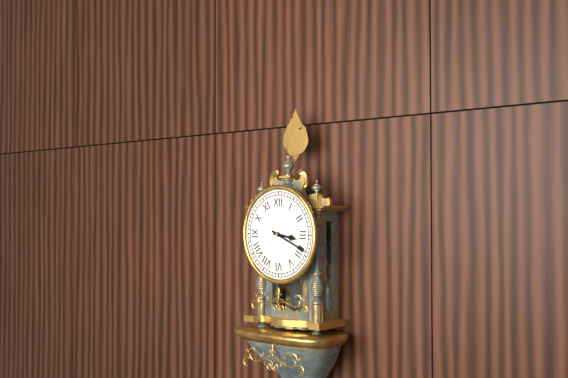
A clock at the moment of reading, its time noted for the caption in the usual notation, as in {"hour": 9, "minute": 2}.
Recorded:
{"hour": 3, "minute": 19}
